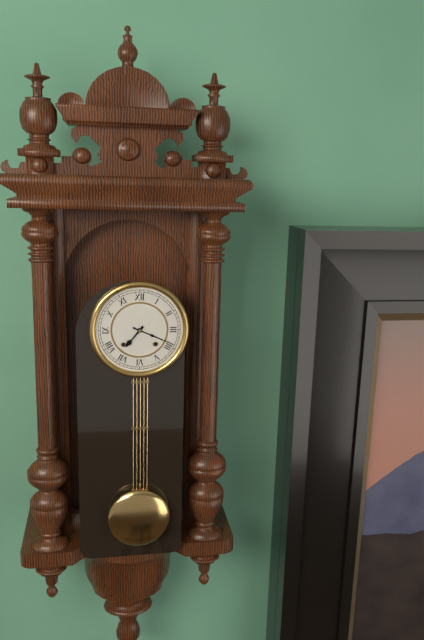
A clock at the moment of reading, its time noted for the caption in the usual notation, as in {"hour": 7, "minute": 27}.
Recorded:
{"hour": 7, "minute": 19}
